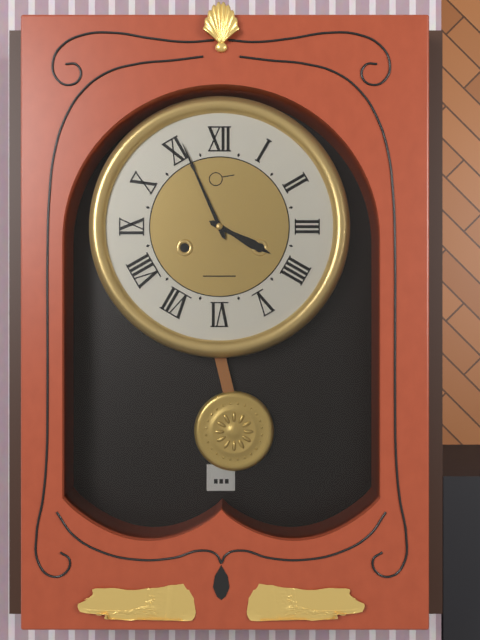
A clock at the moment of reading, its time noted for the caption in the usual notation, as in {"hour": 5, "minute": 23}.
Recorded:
{"hour": 3, "minute": 56}
